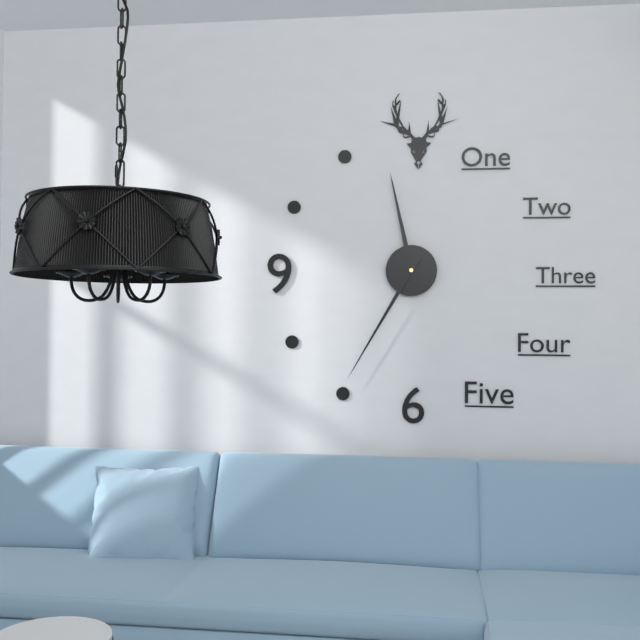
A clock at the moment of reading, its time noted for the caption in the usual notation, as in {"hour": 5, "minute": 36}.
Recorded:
{"hour": 11, "minute": 35}
